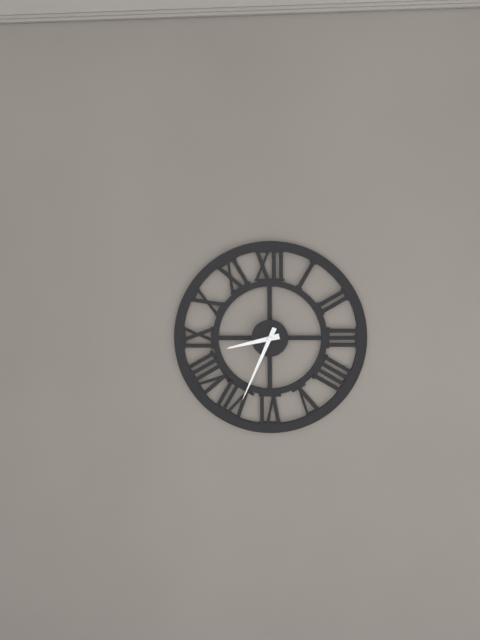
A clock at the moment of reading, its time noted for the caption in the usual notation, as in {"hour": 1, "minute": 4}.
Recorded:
{"hour": 8, "minute": 34}
